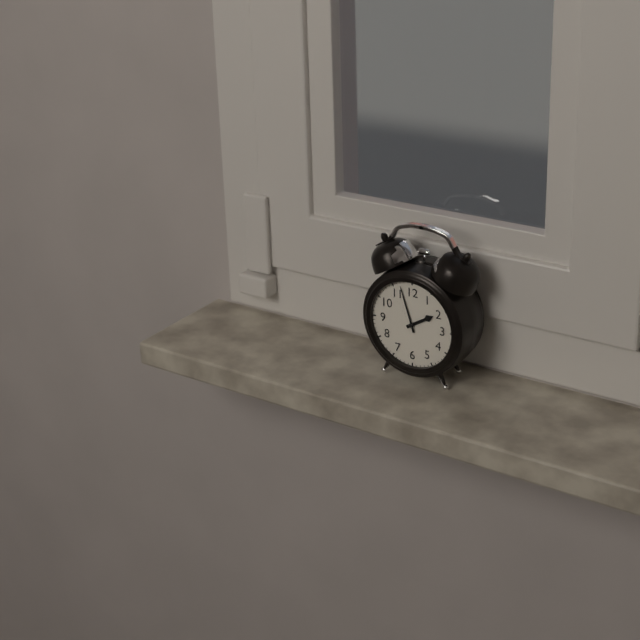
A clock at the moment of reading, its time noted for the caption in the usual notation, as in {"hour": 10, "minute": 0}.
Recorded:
{"hour": 1, "minute": 57}
